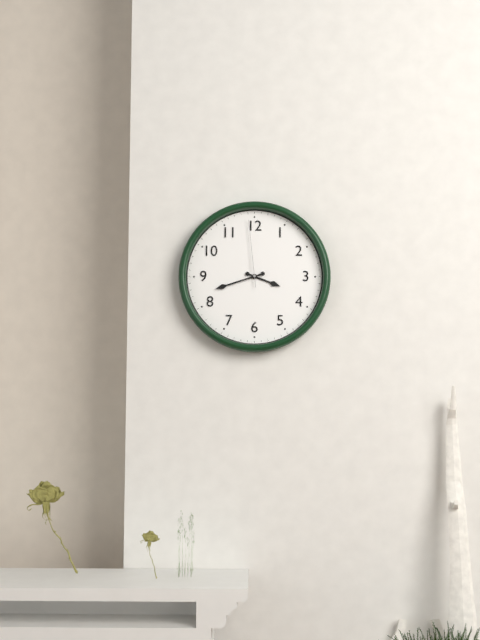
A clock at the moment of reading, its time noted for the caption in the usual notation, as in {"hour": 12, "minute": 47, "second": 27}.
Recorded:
{"hour": 3, "minute": 42, "second": 59}
